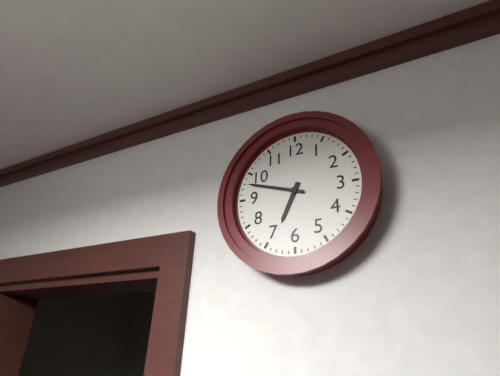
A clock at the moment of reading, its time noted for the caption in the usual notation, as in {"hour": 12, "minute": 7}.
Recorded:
{"hour": 6, "minute": 48}
